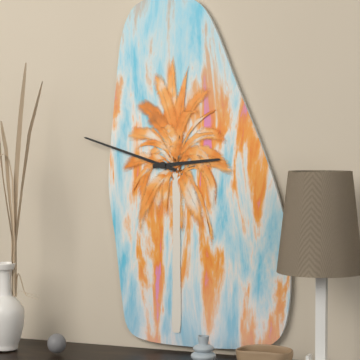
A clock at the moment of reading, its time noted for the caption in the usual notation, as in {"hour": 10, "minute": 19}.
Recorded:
{"hour": 2, "minute": 48}
